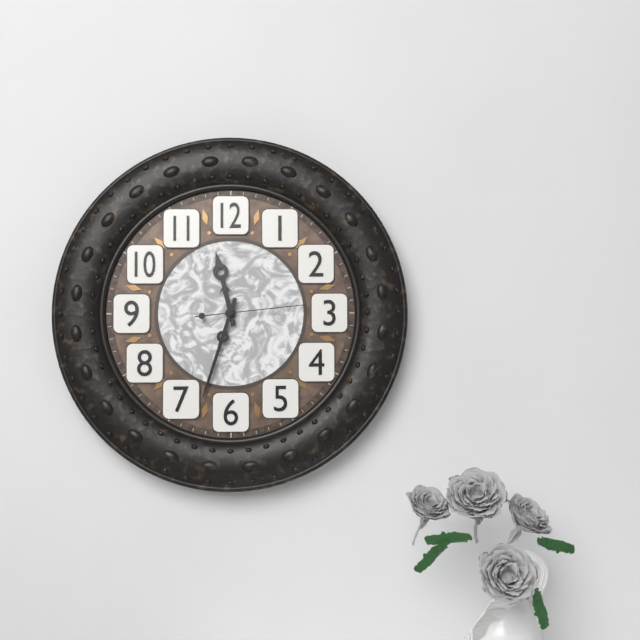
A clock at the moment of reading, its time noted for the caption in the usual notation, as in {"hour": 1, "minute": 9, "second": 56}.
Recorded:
{"hour": 11, "minute": 33, "second": 14}
